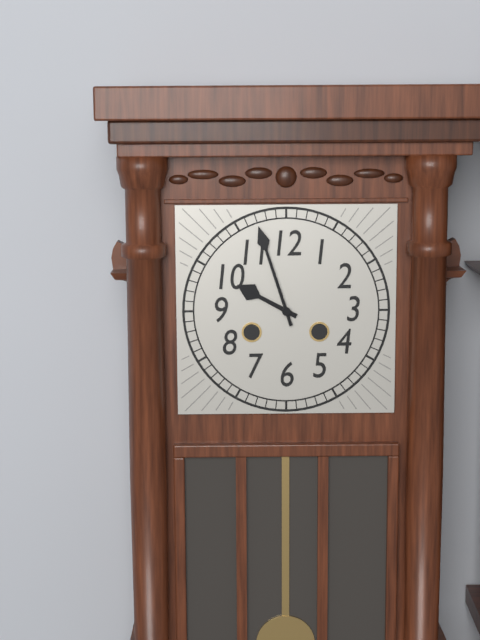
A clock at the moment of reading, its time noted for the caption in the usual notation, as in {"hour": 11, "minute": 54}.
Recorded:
{"hour": 9, "minute": 57}
